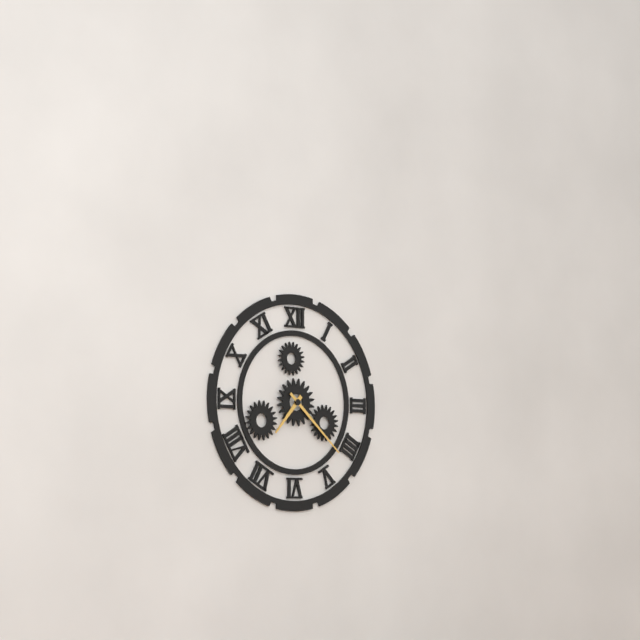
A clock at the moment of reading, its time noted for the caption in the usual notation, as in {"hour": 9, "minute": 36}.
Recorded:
{"hour": 7, "minute": 22}
